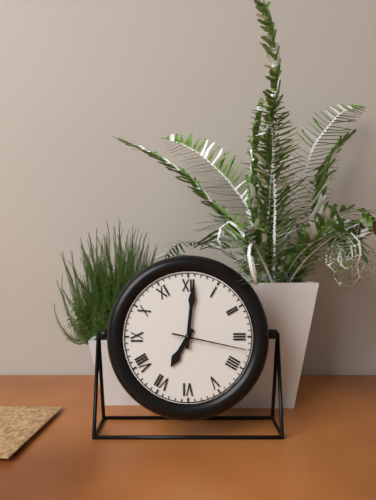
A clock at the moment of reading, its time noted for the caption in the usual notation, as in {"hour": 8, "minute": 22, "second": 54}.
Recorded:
{"hour": 7, "minute": 1, "second": 17}
